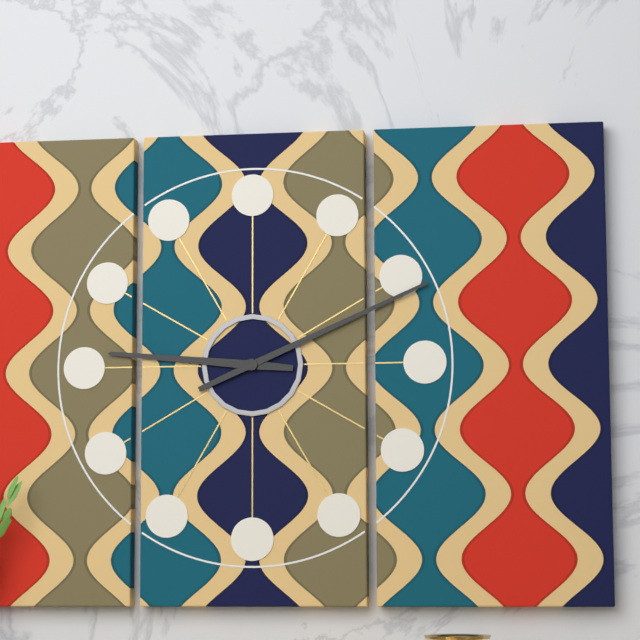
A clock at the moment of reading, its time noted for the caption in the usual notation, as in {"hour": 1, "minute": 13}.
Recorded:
{"hour": 9, "minute": 11}
